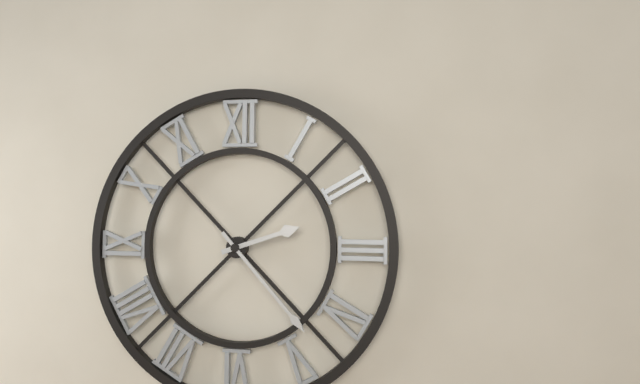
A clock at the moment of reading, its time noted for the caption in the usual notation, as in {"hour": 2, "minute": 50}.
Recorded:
{"hour": 2, "minute": 23}
